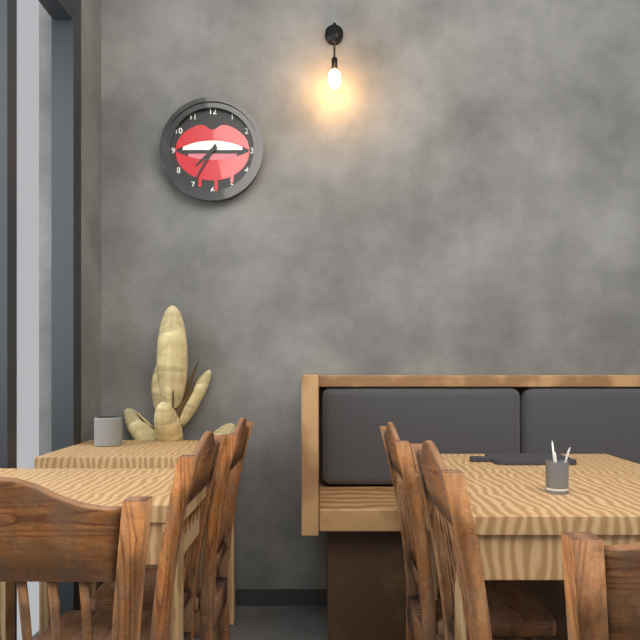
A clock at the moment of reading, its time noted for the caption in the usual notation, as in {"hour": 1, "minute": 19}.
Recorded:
{"hour": 7, "minute": 35}
